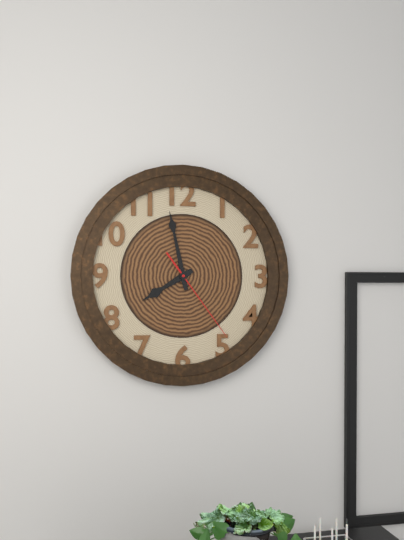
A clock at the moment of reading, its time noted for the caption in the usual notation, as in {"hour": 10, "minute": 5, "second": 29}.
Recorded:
{"hour": 7, "minute": 58, "second": 24}
